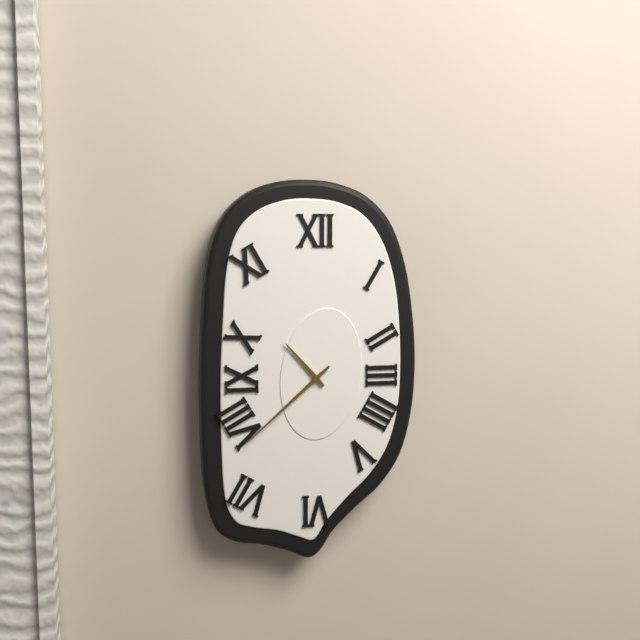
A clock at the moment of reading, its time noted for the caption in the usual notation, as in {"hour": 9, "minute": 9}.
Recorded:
{"hour": 10, "minute": 38}
